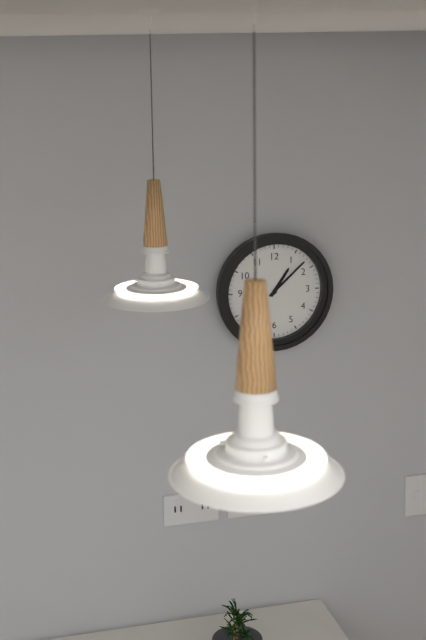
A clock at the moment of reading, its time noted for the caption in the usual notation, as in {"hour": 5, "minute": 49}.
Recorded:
{"hour": 1, "minute": 8}
